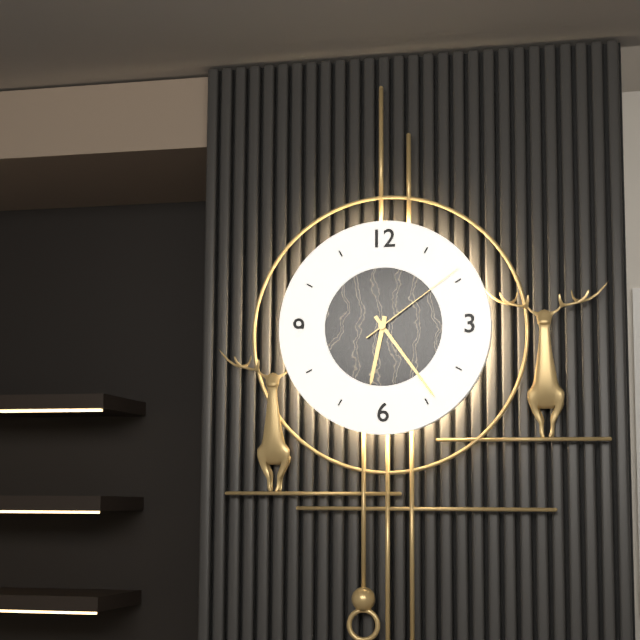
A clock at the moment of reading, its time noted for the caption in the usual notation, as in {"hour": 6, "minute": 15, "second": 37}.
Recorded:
{"hour": 6, "minute": 24, "second": 9}
